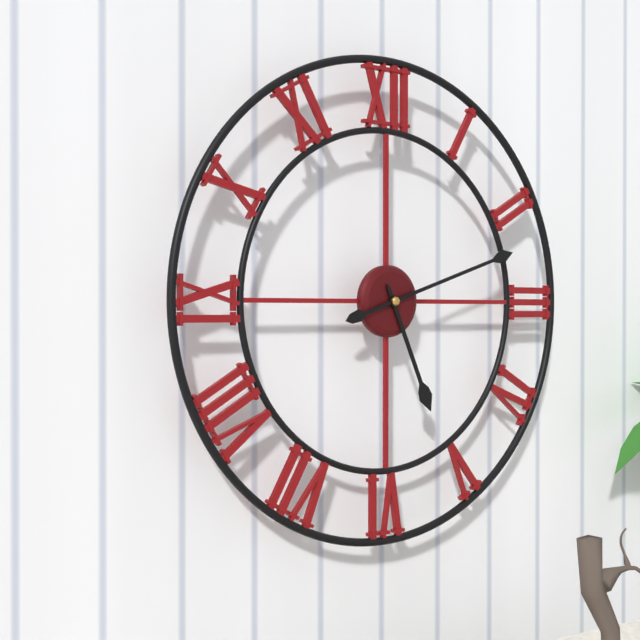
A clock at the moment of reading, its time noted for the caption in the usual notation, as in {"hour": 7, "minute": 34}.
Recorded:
{"hour": 5, "minute": 12}
